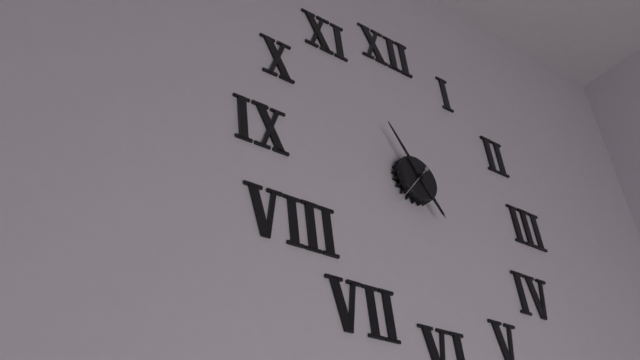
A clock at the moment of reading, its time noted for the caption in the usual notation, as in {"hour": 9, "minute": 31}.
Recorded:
{"hour": 4, "minute": 55}
